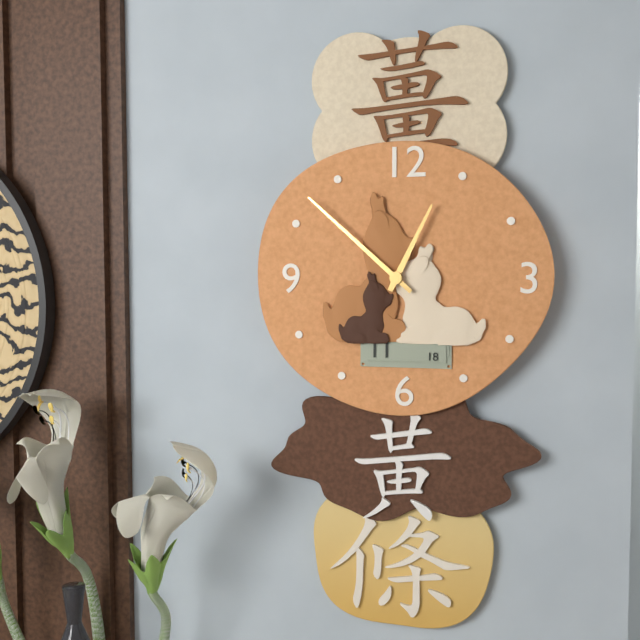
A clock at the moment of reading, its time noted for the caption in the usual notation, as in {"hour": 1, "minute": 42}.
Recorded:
{"hour": 12, "minute": 52}
